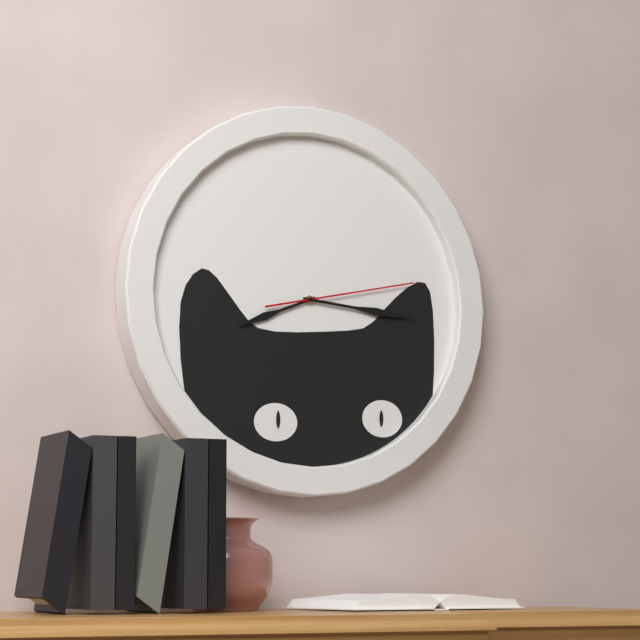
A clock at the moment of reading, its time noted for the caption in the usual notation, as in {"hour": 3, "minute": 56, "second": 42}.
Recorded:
{"hour": 8, "minute": 16, "second": 13}
